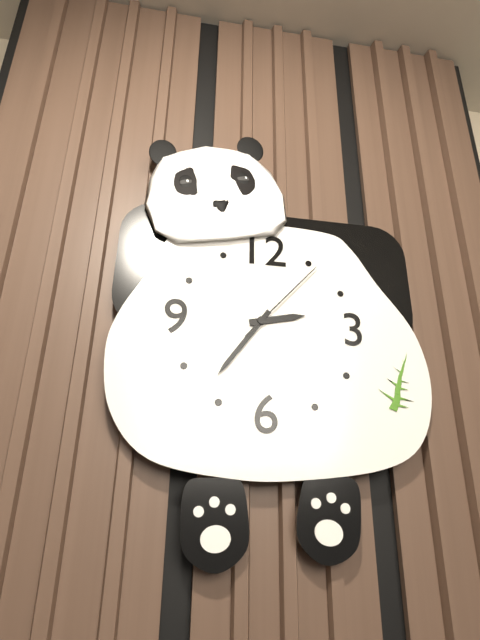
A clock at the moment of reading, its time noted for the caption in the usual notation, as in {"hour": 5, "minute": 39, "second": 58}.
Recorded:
{"hour": 2, "minute": 36, "second": 7}
